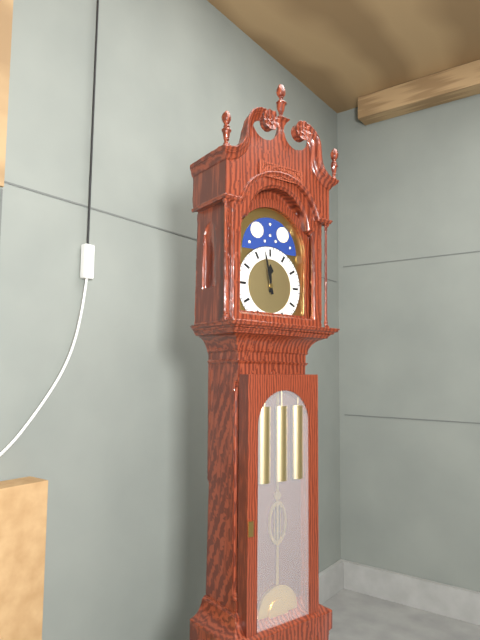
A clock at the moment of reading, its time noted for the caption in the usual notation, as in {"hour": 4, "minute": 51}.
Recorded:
{"hour": 11, "minute": 58}
